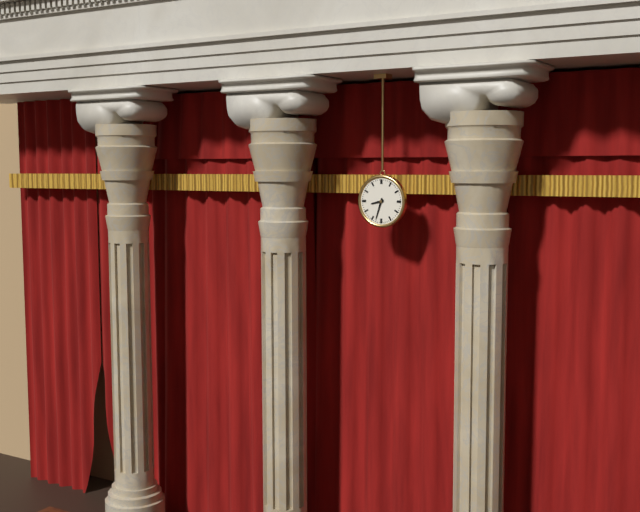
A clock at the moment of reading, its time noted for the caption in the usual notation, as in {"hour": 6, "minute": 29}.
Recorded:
{"hour": 8, "minute": 33}
